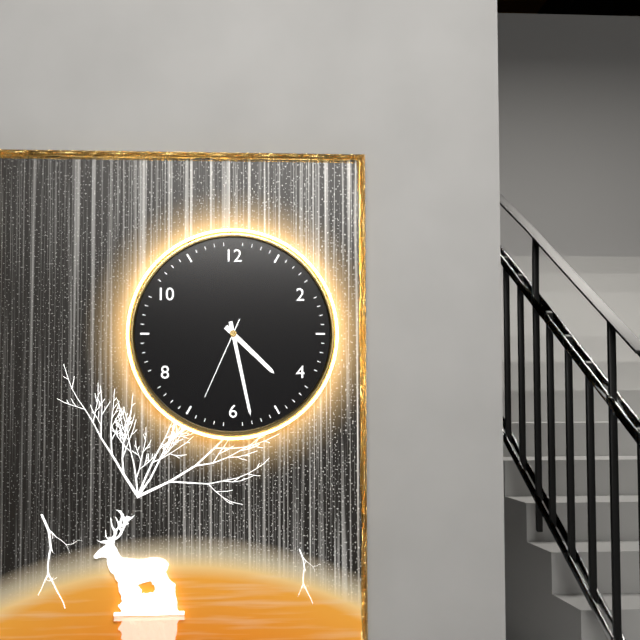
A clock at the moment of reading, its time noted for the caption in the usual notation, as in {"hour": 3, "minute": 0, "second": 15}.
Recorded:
{"hour": 4, "minute": 28, "second": 34}
